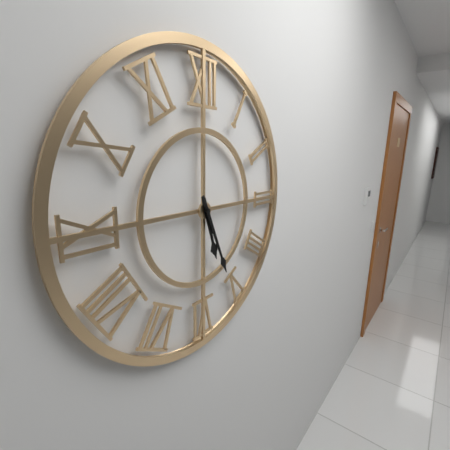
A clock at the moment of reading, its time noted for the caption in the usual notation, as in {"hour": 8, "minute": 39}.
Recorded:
{"hour": 5, "minute": 26}
